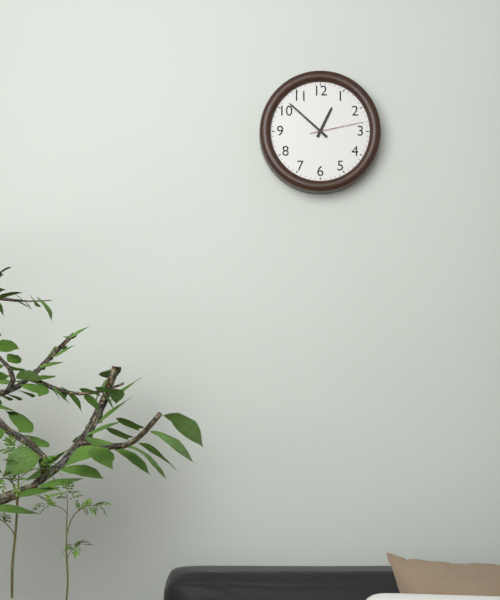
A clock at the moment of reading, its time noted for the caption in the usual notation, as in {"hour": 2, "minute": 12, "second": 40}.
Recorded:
{"hour": 12, "minute": 52, "second": 13}
